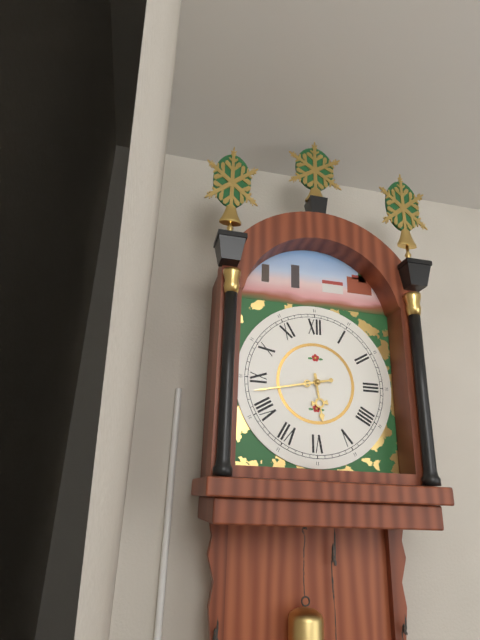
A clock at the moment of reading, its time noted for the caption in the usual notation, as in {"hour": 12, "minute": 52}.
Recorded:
{"hour": 5, "minute": 43}
